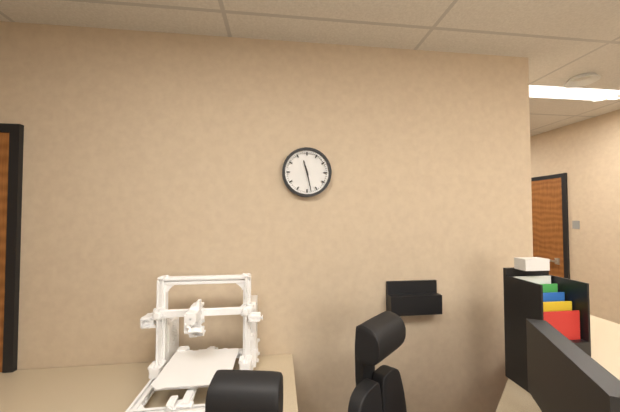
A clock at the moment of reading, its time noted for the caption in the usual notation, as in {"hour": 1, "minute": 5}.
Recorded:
{"hour": 11, "minute": 28}
